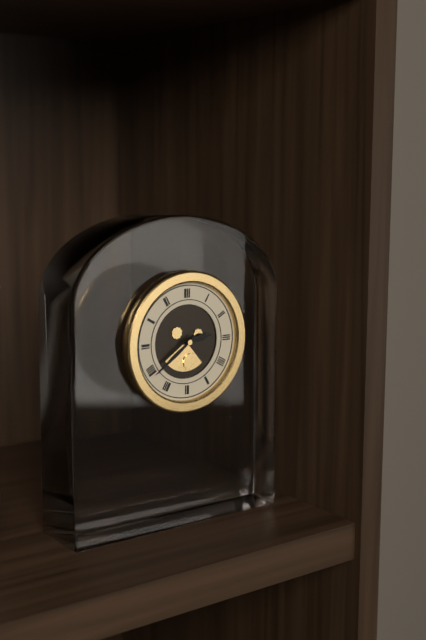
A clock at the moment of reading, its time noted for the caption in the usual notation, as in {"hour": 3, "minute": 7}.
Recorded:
{"hour": 2, "minute": 39}
